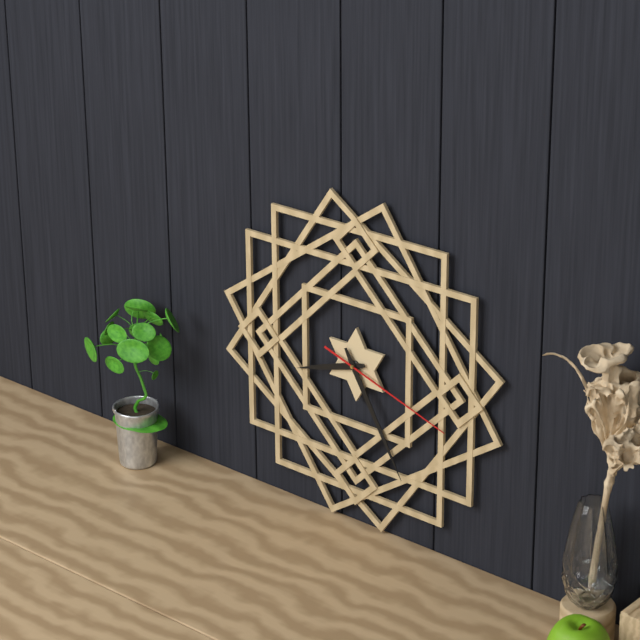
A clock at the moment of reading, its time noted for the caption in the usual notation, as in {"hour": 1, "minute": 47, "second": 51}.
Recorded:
{"hour": 8, "minute": 25, "second": 18}
